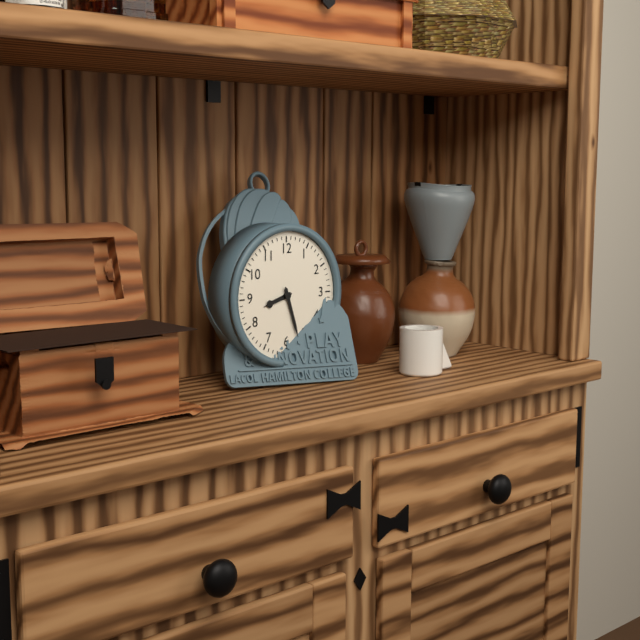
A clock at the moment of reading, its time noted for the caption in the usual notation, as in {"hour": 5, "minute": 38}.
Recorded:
{"hour": 8, "minute": 27}
